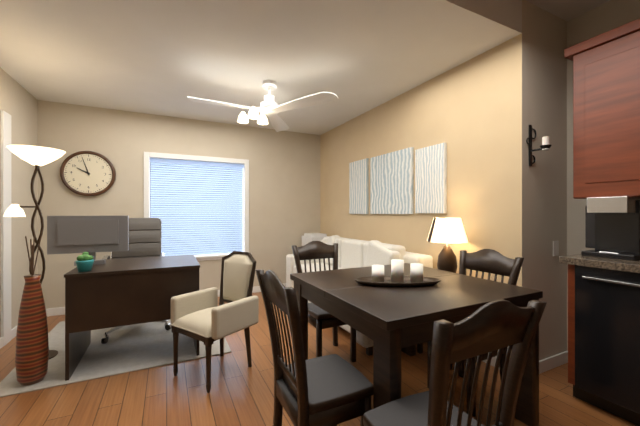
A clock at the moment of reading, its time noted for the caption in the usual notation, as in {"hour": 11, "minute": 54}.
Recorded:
{"hour": 9, "minute": 57}
